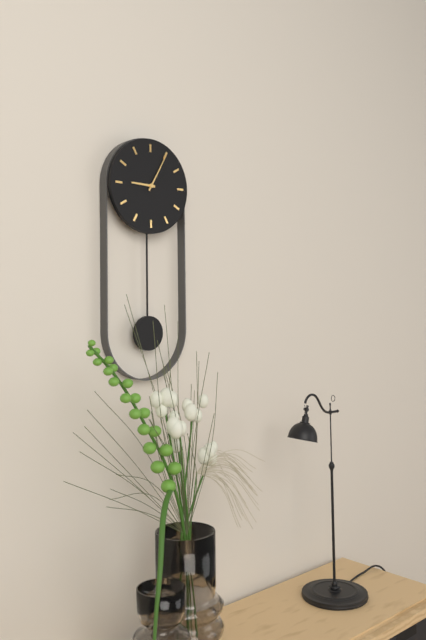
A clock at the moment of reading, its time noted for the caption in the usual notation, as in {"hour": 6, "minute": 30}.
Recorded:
{"hour": 9, "minute": 5}
